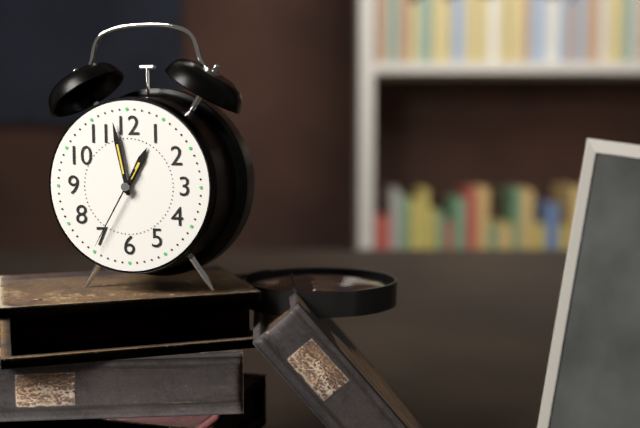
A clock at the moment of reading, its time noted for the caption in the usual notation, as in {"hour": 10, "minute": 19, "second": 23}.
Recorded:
{"hour": 12, "minute": 58, "second": 35}
